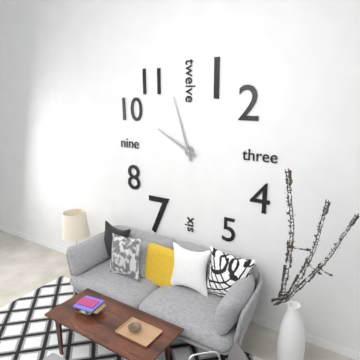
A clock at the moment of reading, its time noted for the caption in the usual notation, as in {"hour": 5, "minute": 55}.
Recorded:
{"hour": 9, "minute": 57}
